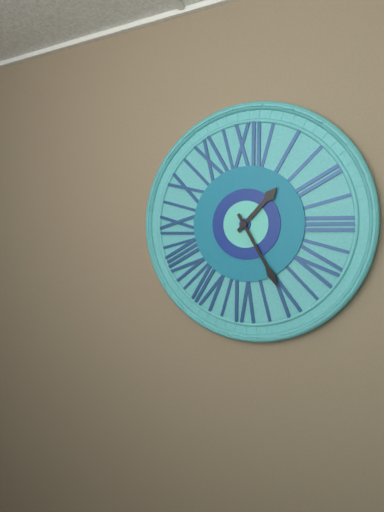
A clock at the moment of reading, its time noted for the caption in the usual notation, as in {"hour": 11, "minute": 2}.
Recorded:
{"hour": 1, "minute": 25}
